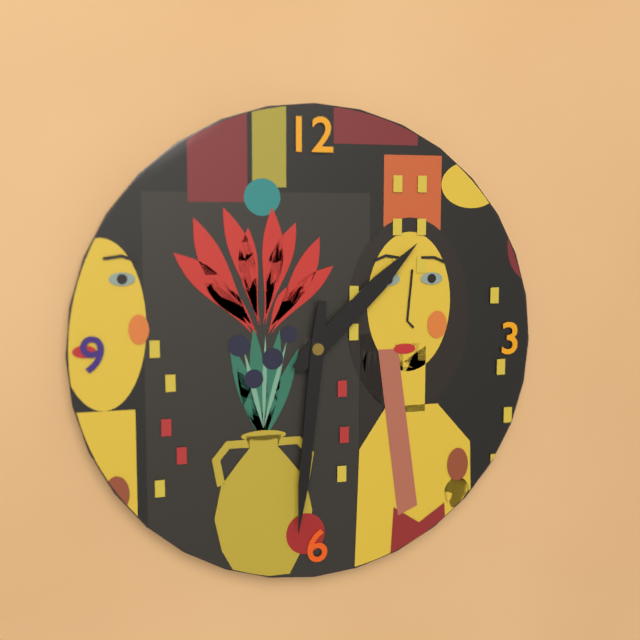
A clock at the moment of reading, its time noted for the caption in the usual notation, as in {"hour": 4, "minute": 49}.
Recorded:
{"hour": 1, "minute": 31}
